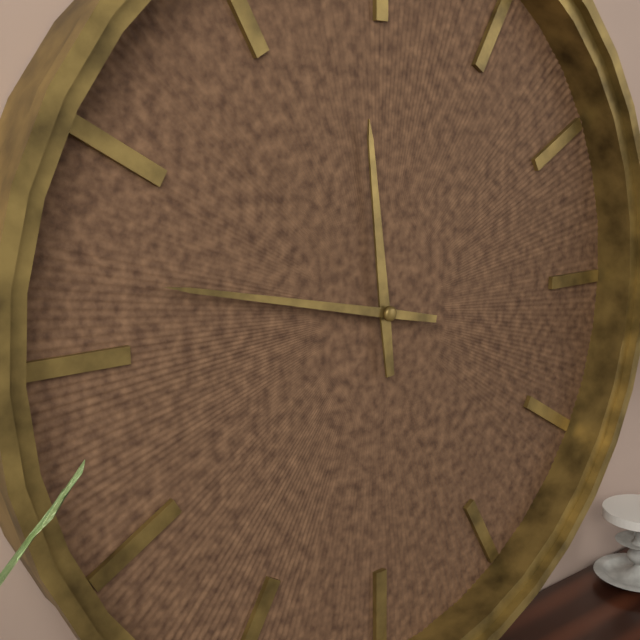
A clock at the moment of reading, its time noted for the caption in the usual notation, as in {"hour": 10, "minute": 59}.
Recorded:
{"hour": 11, "minute": 47}
